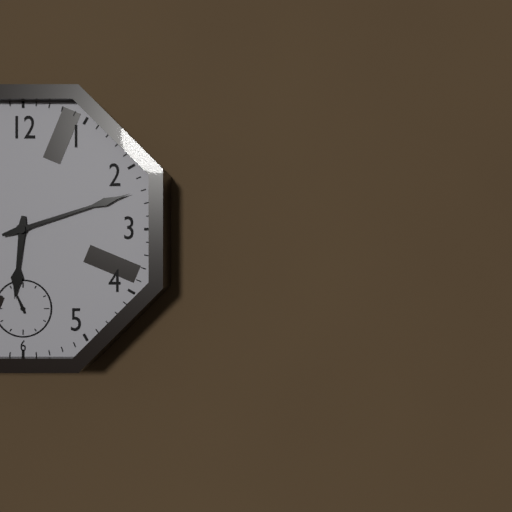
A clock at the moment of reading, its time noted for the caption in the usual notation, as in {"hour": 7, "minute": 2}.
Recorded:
{"hour": 6, "minute": 12}
